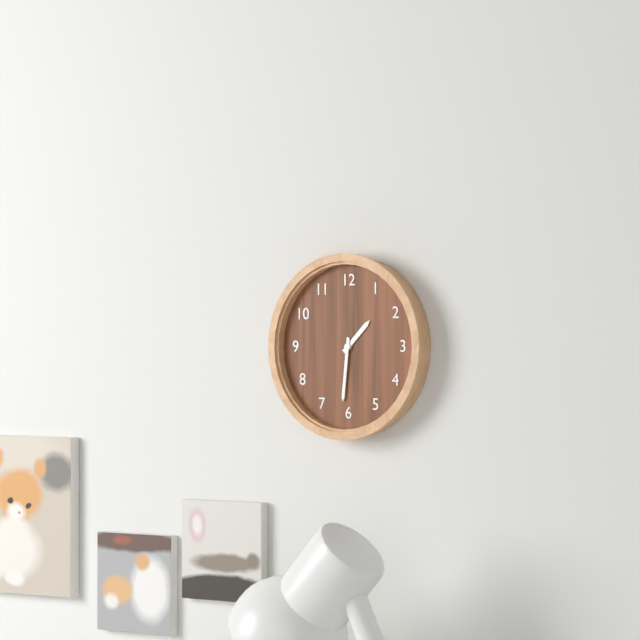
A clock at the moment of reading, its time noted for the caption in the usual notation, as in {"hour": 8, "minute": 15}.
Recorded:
{"hour": 1, "minute": 31}
